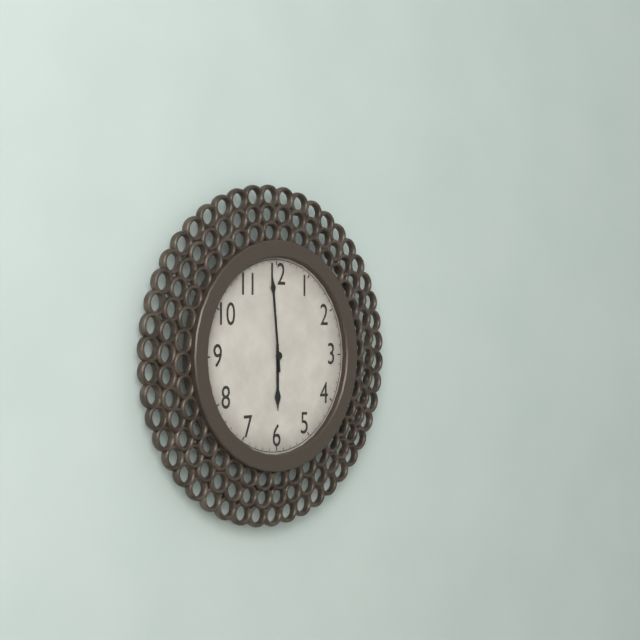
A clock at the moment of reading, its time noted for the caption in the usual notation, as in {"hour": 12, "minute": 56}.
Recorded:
{"hour": 5, "minute": 59}
